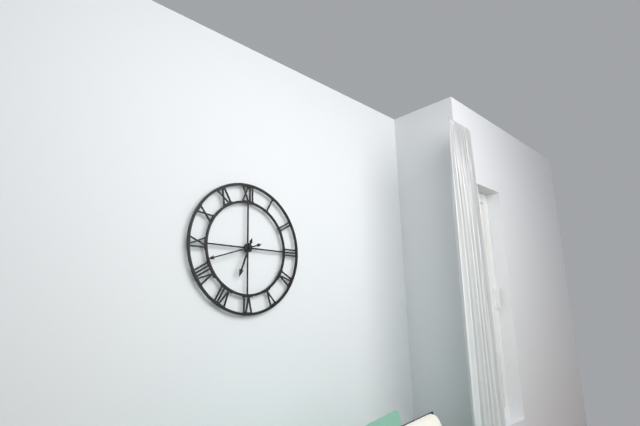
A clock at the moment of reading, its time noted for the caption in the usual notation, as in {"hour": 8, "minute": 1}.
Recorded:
{"hour": 6, "minute": 42}
